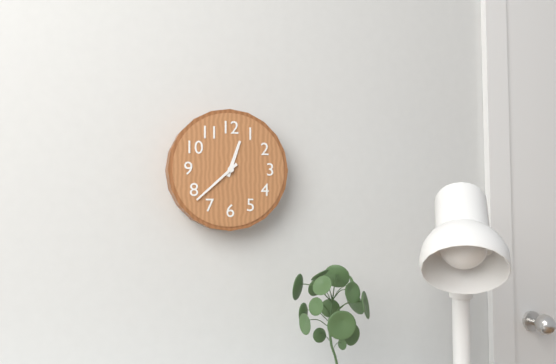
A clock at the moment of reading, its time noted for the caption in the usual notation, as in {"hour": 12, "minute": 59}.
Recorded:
{"hour": 12, "minute": 38}
